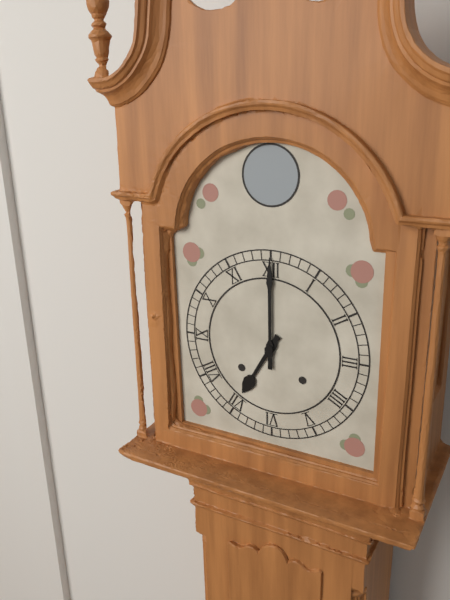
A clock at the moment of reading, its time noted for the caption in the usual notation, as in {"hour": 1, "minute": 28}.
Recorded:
{"hour": 7, "minute": 0}
